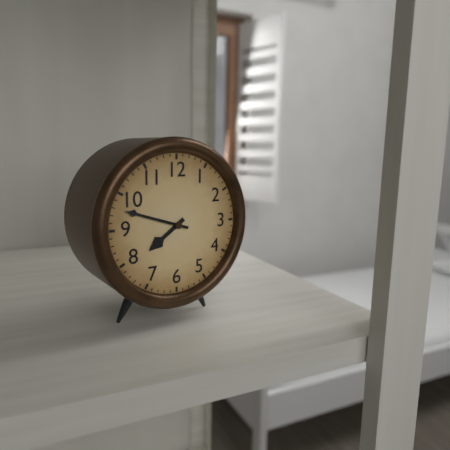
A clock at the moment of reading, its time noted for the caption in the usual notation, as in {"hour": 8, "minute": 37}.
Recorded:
{"hour": 7, "minute": 48}
